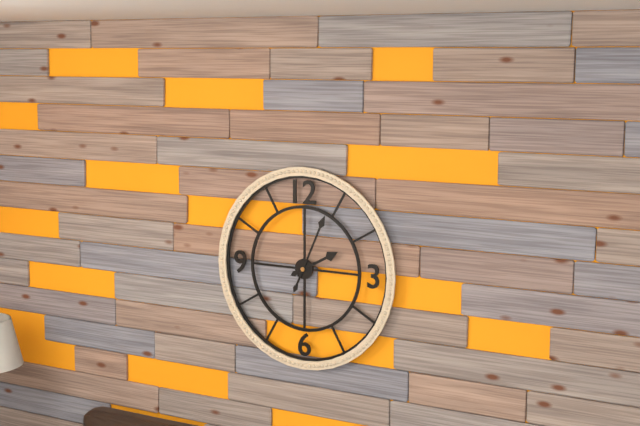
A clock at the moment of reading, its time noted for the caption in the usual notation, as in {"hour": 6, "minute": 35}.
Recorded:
{"hour": 2, "minute": 4}
